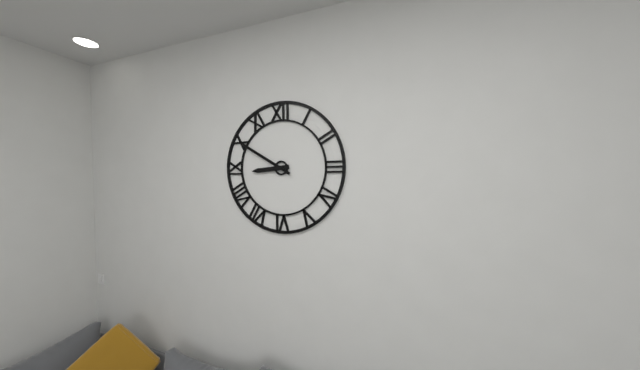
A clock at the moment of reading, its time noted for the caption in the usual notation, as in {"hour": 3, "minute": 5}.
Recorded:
{"hour": 8, "minute": 50}
